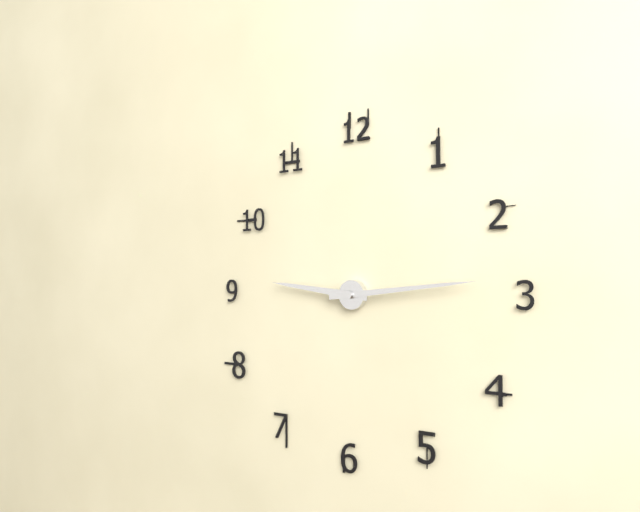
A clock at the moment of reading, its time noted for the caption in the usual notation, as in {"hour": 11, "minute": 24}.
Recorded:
{"hour": 9, "minute": 14}
